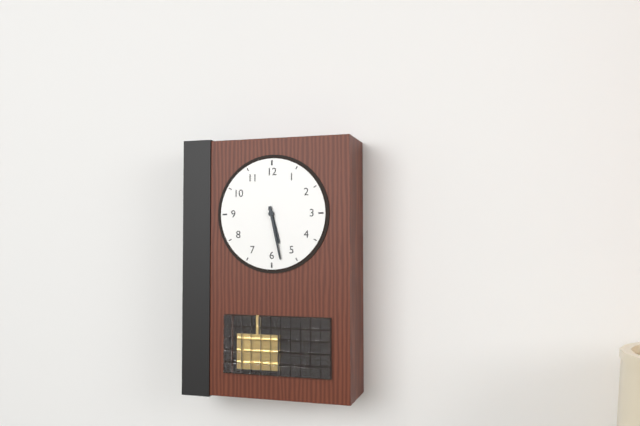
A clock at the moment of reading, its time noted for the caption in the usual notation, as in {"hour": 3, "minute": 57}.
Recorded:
{"hour": 5, "minute": 28}
